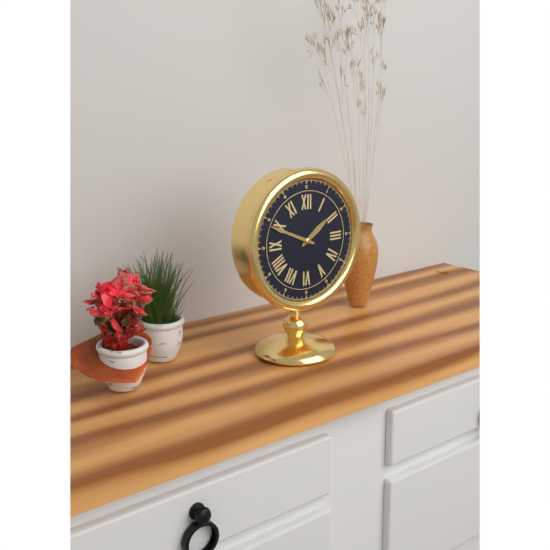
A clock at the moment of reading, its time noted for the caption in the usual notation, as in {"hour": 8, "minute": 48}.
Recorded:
{"hour": 1, "minute": 49}
